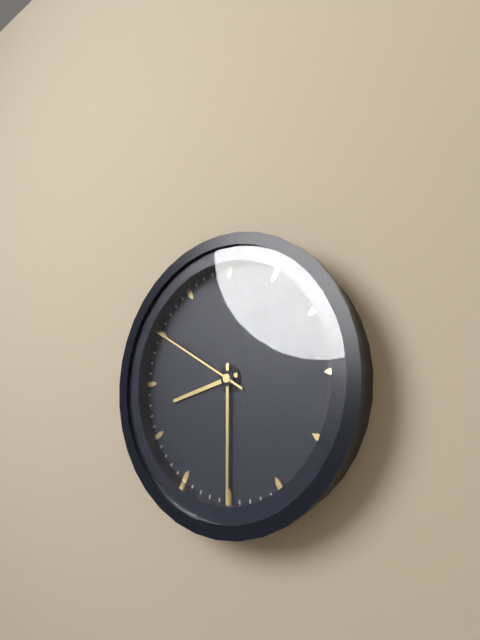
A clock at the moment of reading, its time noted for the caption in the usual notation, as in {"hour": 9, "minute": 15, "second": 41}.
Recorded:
{"hour": 8, "minute": 30, "second": 50}
